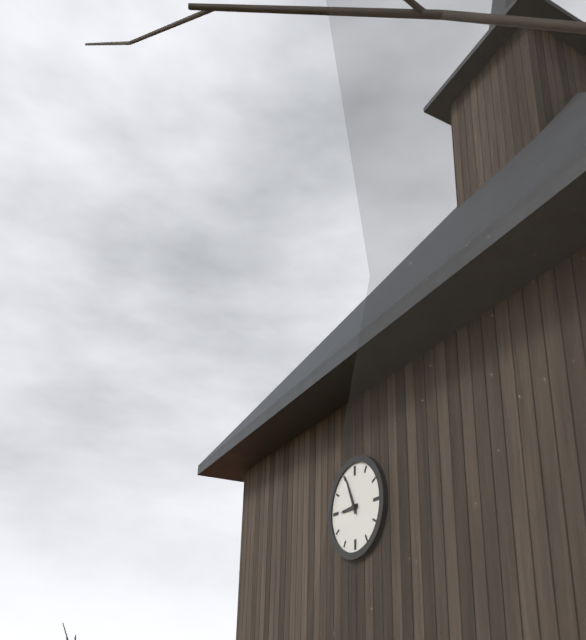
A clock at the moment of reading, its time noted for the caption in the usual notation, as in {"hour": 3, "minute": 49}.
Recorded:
{"hour": 8, "minute": 56}
